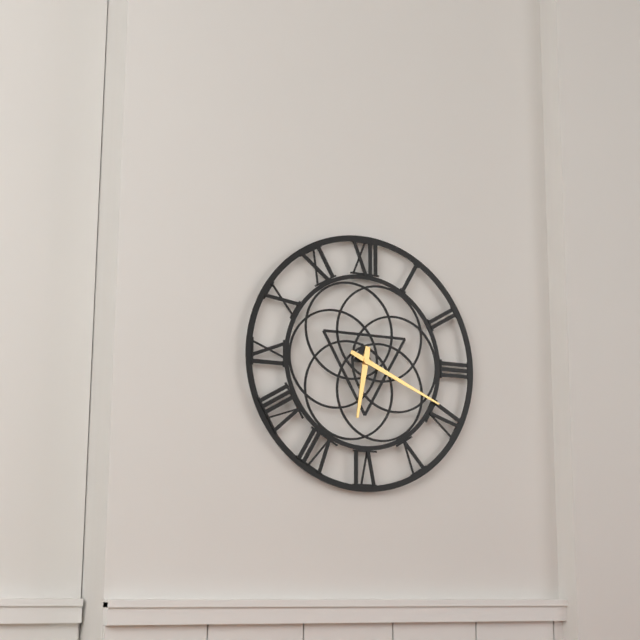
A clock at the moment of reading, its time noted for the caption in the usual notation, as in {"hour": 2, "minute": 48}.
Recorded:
{"hour": 6, "minute": 19}
